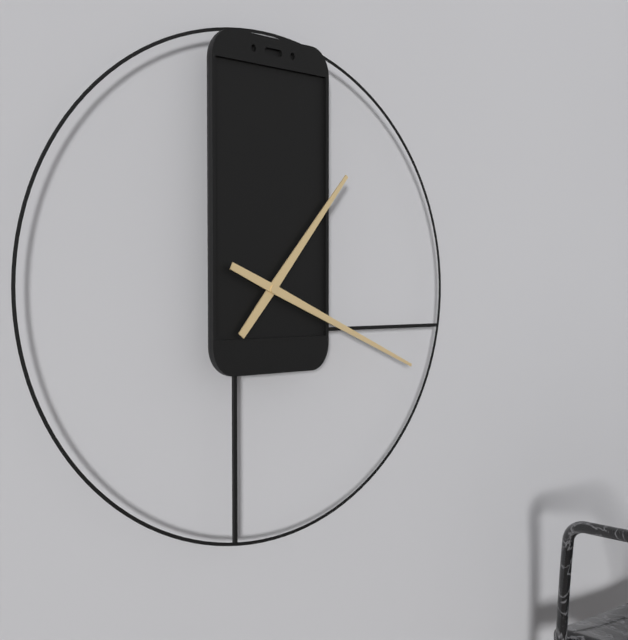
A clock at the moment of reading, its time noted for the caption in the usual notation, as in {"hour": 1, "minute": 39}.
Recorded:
{"hour": 1, "minute": 19}
